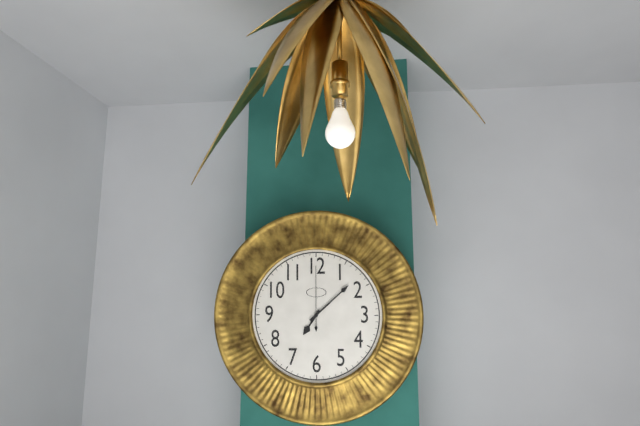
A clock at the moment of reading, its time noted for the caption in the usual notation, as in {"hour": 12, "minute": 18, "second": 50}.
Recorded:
{"hour": 7, "minute": 8, "second": 0}
